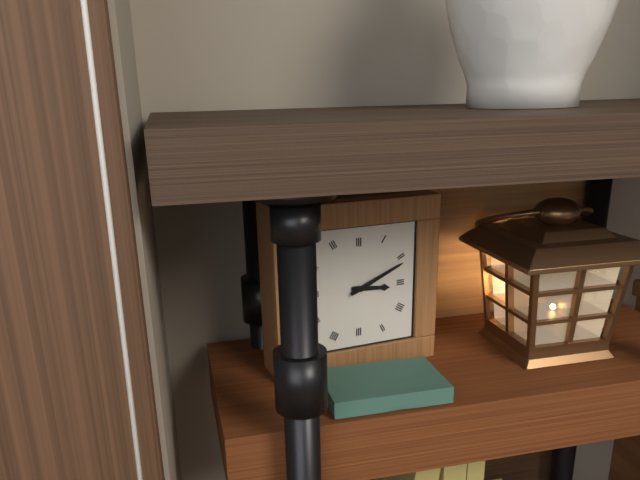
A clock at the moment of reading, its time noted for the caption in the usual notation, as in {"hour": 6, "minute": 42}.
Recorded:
{"hour": 3, "minute": 11}
